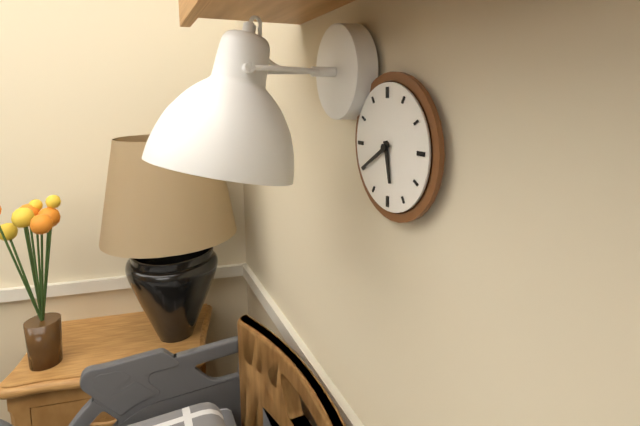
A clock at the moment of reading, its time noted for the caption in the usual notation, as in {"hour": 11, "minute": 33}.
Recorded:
{"hour": 5, "minute": 40}
